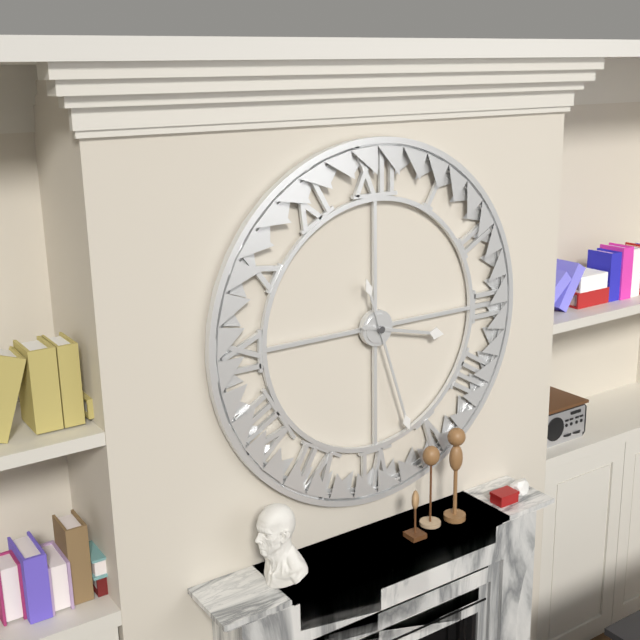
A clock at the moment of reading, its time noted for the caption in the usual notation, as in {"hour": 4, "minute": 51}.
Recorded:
{"hour": 3, "minute": 27}
